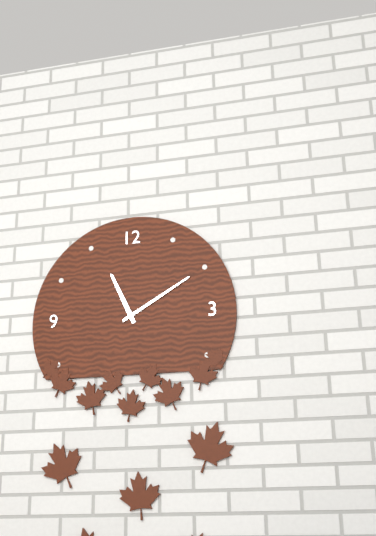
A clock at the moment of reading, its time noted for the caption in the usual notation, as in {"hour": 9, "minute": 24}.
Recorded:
{"hour": 11, "minute": 10}
